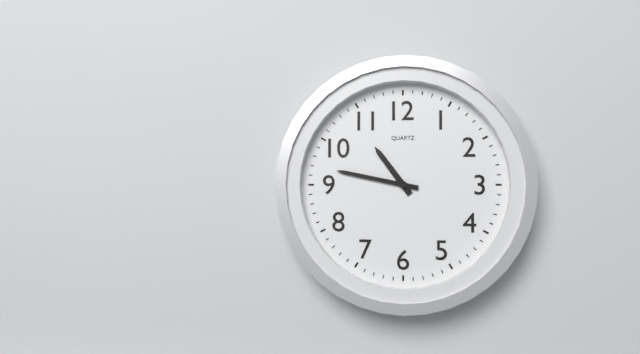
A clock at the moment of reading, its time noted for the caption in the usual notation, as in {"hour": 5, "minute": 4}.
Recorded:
{"hour": 10, "minute": 47}
